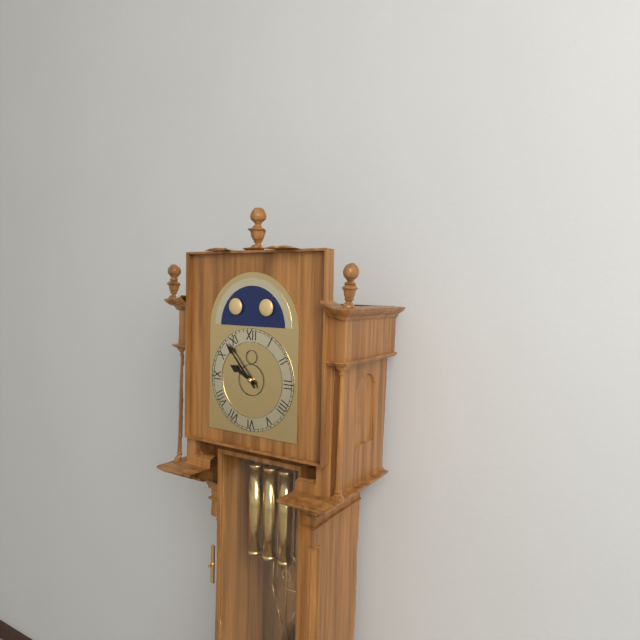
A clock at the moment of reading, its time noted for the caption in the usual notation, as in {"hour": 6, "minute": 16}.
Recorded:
{"hour": 9, "minute": 53}
